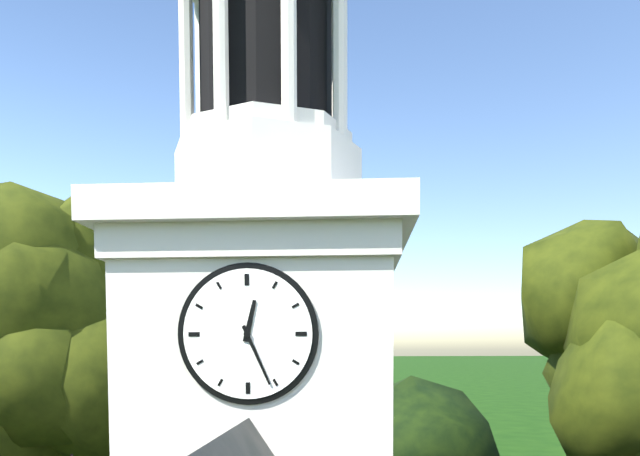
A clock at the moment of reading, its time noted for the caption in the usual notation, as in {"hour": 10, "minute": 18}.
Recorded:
{"hour": 12, "minute": 26}
